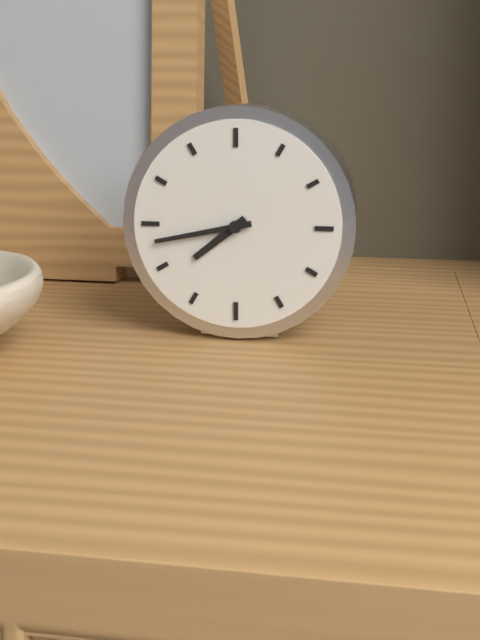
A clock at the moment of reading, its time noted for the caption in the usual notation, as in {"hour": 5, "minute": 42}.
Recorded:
{"hour": 7, "minute": 43}
